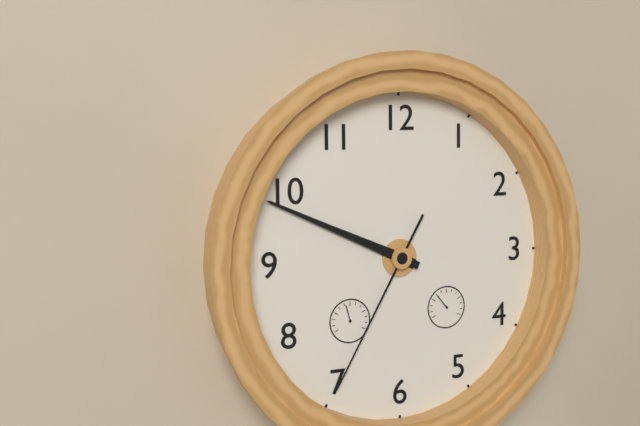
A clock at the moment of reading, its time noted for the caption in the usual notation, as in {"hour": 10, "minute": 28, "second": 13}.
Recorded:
{"hour": 9, "minute": 49, "second": 35}
